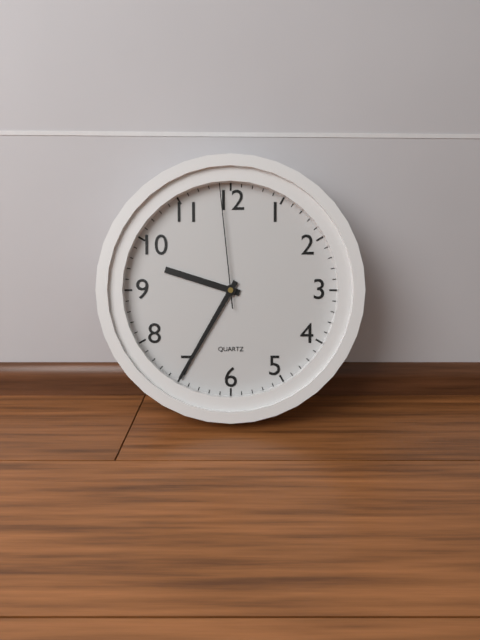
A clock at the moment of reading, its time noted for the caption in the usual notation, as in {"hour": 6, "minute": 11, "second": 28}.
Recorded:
{"hour": 9, "minute": 35, "second": 59}
